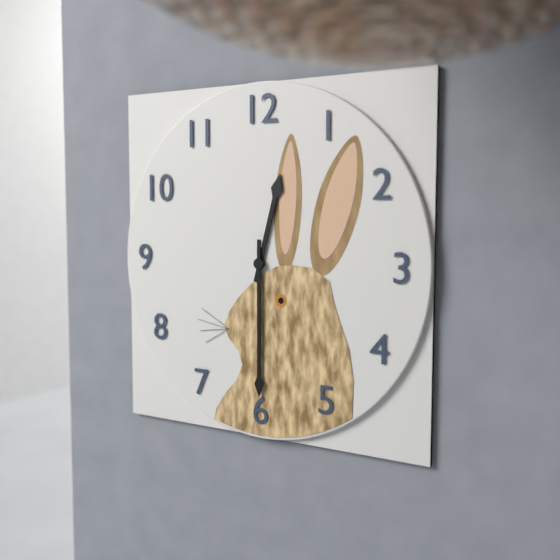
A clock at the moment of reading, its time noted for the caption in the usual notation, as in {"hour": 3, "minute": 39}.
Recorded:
{"hour": 12, "minute": 30}
